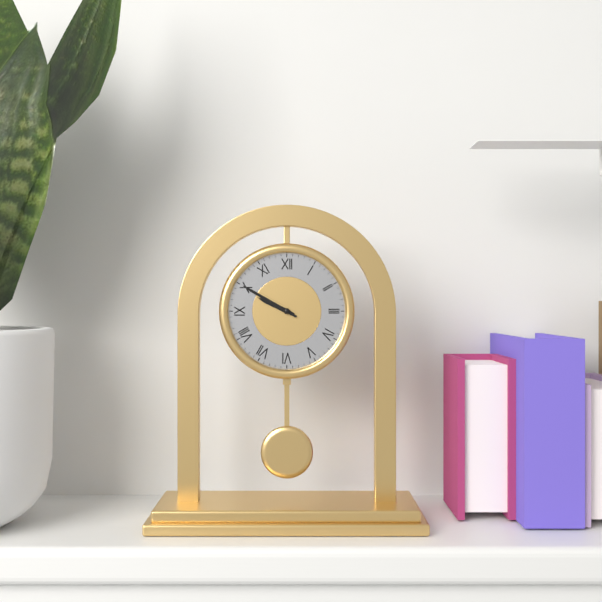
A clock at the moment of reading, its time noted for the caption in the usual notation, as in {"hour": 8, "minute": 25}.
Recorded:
{"hour": 9, "minute": 50}
